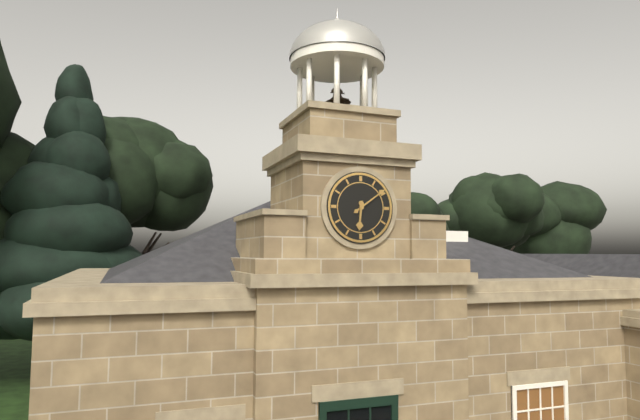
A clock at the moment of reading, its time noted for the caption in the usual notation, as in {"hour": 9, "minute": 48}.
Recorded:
{"hour": 6, "minute": 9}
